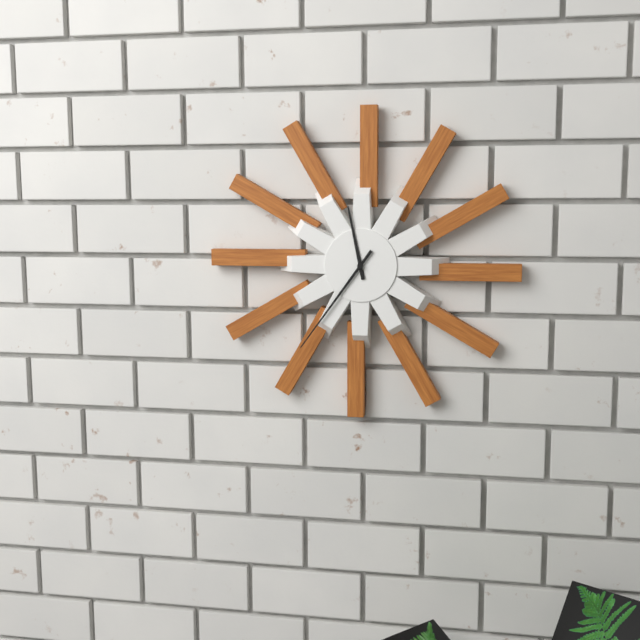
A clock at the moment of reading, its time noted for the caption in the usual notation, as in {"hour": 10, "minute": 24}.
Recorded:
{"hour": 11, "minute": 36}
